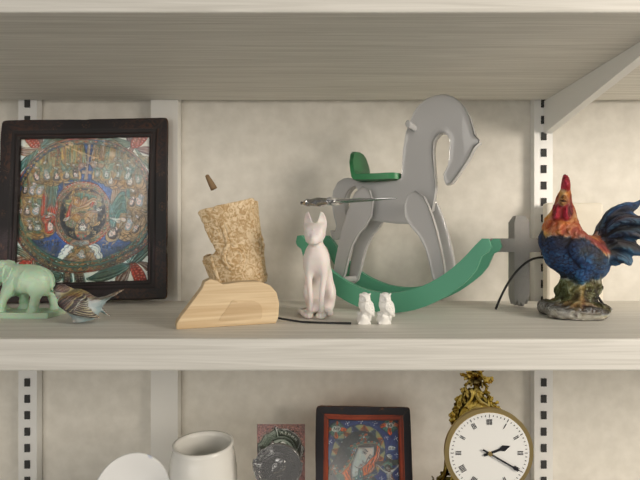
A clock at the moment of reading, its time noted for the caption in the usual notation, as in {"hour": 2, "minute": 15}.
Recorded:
{"hour": 2, "minute": 20}
